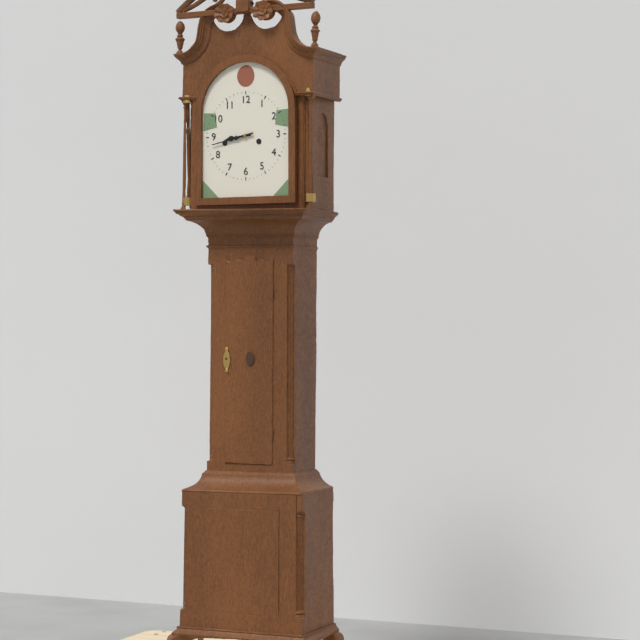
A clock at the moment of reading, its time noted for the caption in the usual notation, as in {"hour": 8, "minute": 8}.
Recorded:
{"hour": 8, "minute": 43}
